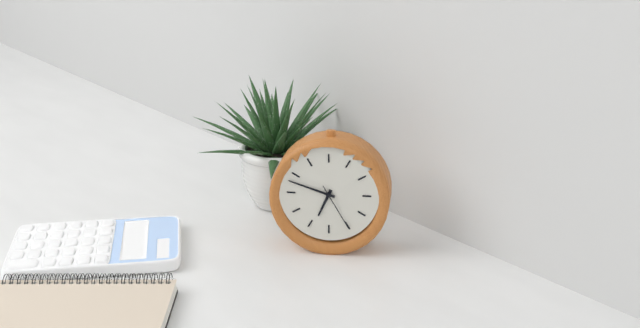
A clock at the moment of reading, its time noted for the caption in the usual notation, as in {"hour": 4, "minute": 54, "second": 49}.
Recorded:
{"hour": 6, "minute": 48, "second": 25}
